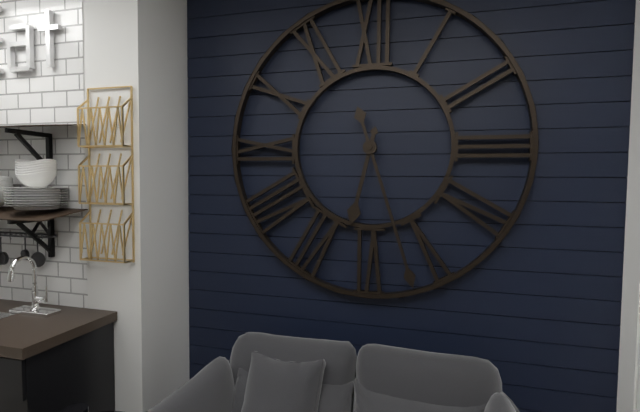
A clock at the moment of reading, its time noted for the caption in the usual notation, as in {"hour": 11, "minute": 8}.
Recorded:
{"hour": 6, "minute": 27}
